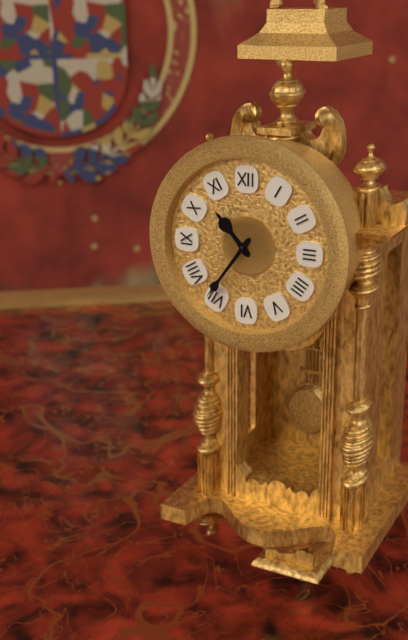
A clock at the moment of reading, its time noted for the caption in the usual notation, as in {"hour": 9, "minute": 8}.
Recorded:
{"hour": 10, "minute": 36}
